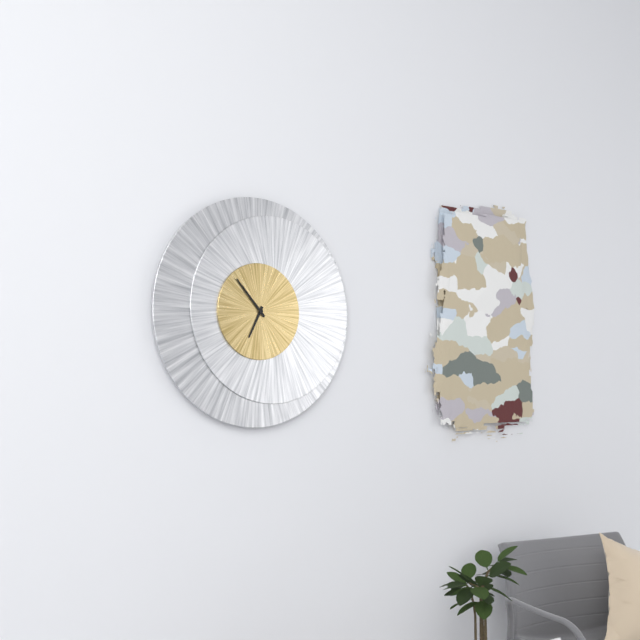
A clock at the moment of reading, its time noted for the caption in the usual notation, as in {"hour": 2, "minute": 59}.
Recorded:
{"hour": 6, "minute": 53}
